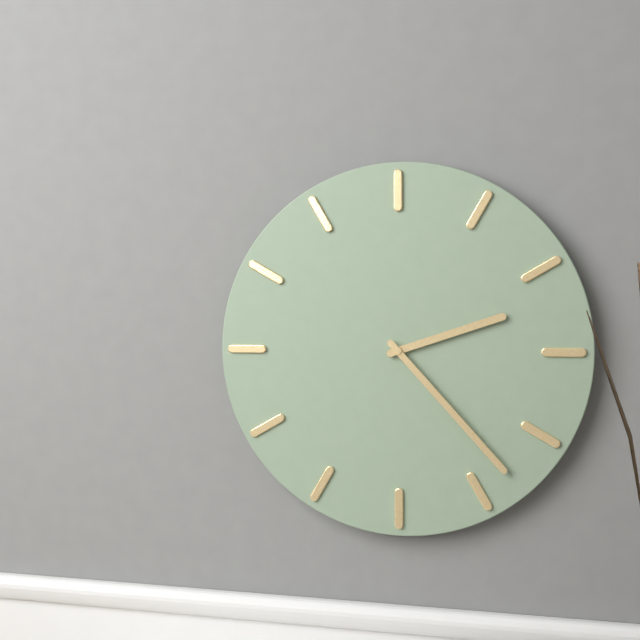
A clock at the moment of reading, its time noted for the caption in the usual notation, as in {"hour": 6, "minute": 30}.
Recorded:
{"hour": 2, "minute": 23}
